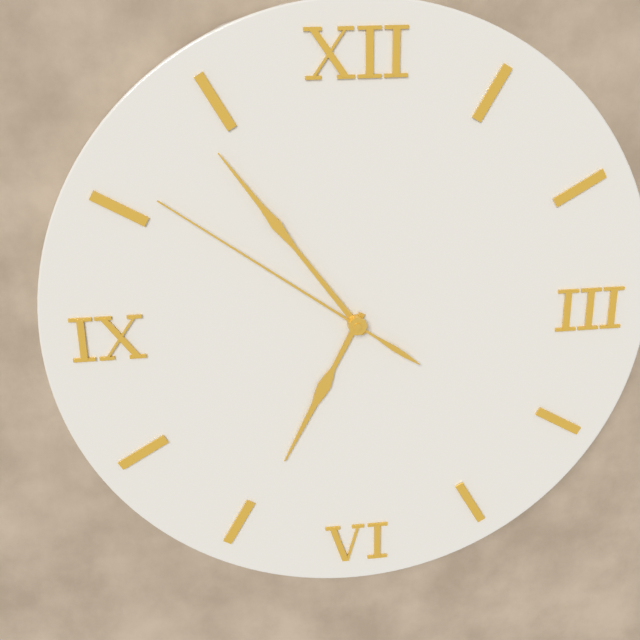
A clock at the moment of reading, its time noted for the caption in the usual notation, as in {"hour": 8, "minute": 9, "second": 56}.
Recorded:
{"hour": 6, "minute": 54, "second": 51}
